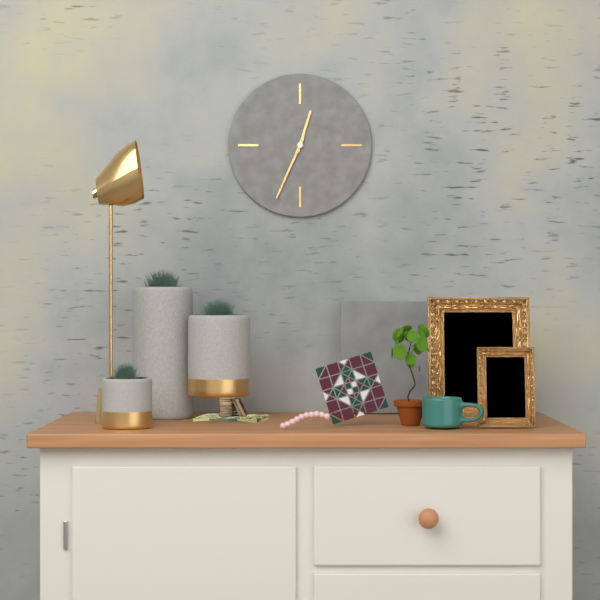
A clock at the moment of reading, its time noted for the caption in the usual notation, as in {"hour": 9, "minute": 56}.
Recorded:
{"hour": 12, "minute": 34}
